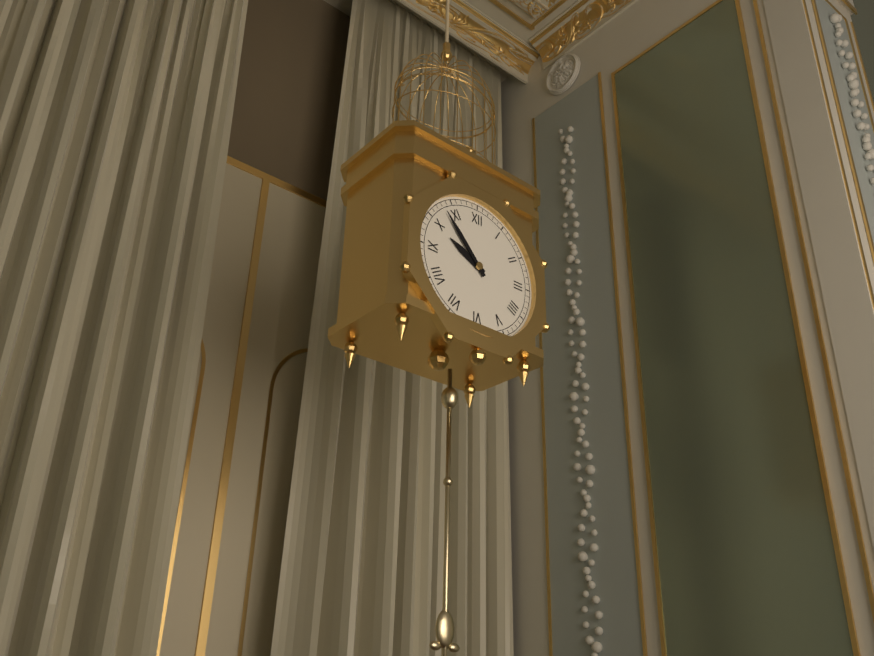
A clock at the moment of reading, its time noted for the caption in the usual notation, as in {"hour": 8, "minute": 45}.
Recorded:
{"hour": 9, "minute": 53}
